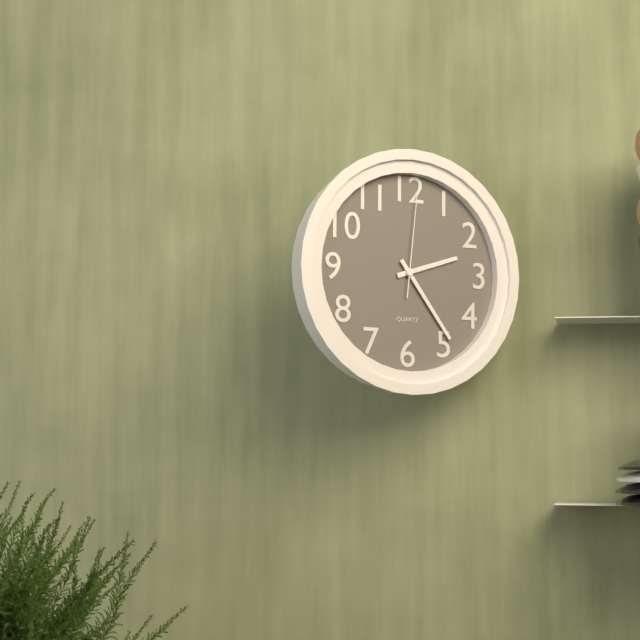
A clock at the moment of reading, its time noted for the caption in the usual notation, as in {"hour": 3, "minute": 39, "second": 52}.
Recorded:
{"hour": 2, "minute": 24, "second": 1}
